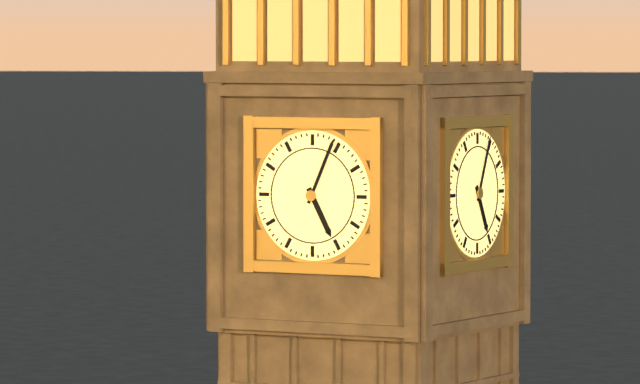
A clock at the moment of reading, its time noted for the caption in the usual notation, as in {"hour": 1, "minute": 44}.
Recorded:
{"hour": 5, "minute": 4}
